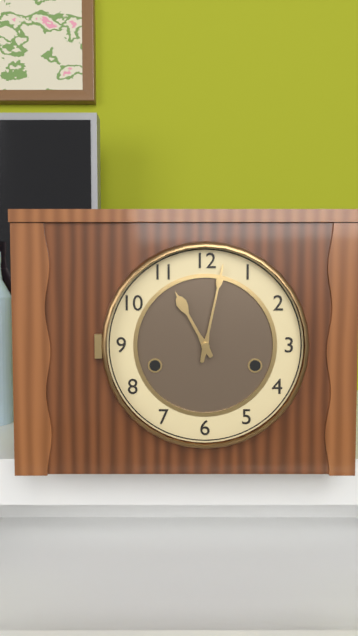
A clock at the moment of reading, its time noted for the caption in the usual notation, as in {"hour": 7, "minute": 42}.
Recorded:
{"hour": 11, "minute": 2}
